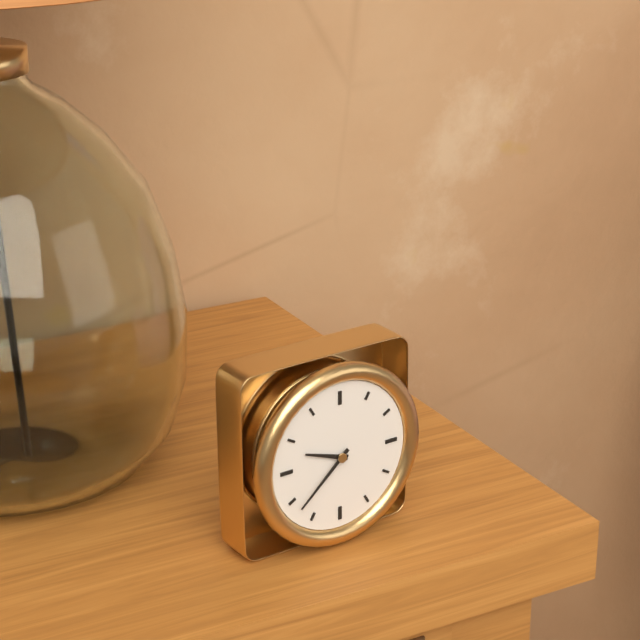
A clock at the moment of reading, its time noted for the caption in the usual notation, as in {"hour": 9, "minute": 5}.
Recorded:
{"hour": 9, "minute": 38}
